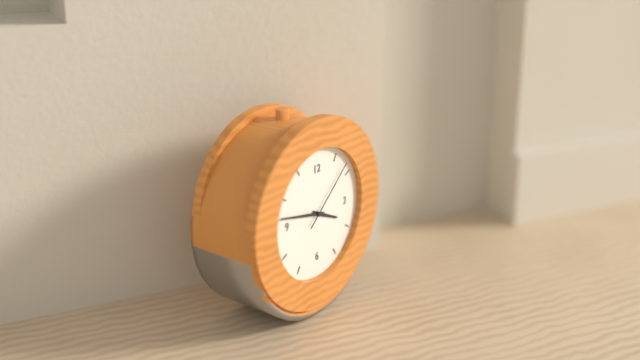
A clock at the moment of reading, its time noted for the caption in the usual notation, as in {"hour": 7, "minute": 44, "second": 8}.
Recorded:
{"hour": 3, "minute": 47, "second": 8}
